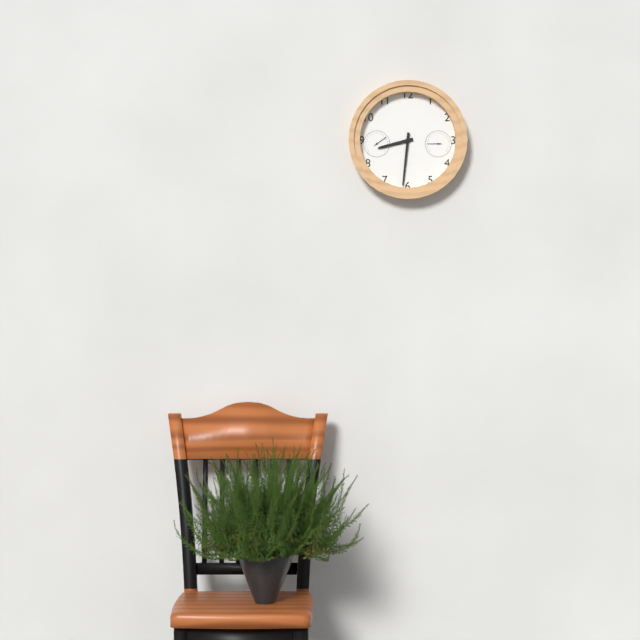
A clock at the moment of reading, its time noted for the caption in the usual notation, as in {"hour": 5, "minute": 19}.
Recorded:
{"hour": 8, "minute": 31}
